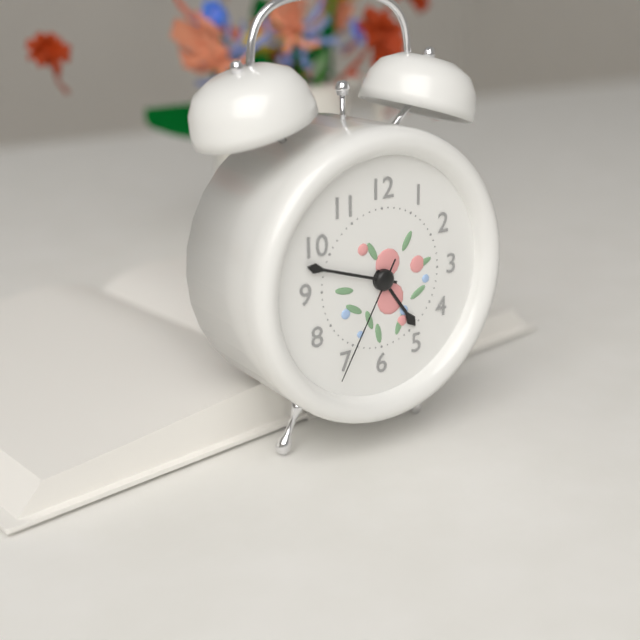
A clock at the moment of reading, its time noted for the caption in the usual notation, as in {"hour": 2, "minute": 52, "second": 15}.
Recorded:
{"hour": 4, "minute": 48, "second": 35}
